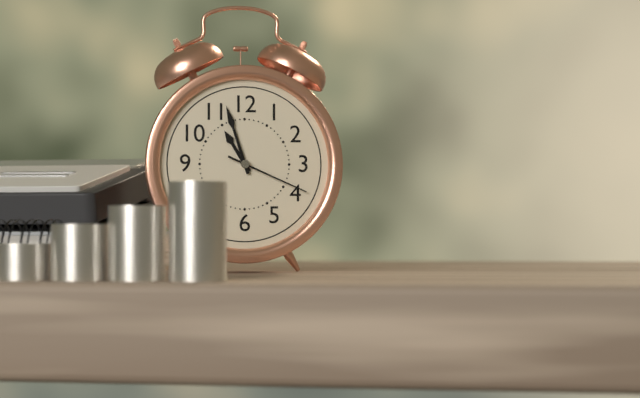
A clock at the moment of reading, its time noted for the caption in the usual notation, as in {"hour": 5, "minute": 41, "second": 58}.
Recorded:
{"hour": 10, "minute": 57, "second": 19}
